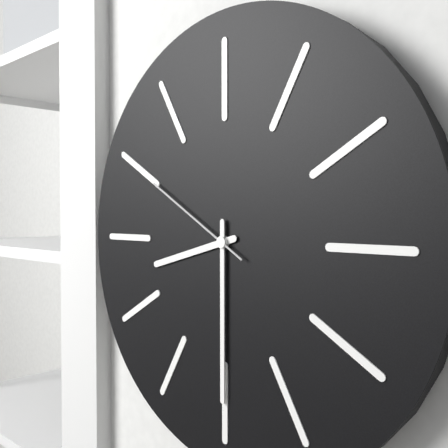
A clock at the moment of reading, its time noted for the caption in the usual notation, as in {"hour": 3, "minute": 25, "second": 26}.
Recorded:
{"hour": 8, "minute": 30, "second": 50}
